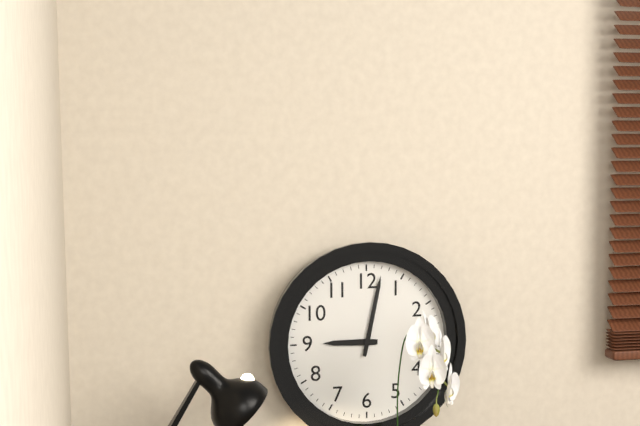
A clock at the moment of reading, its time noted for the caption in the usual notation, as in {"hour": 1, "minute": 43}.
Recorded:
{"hour": 9, "minute": 2}
